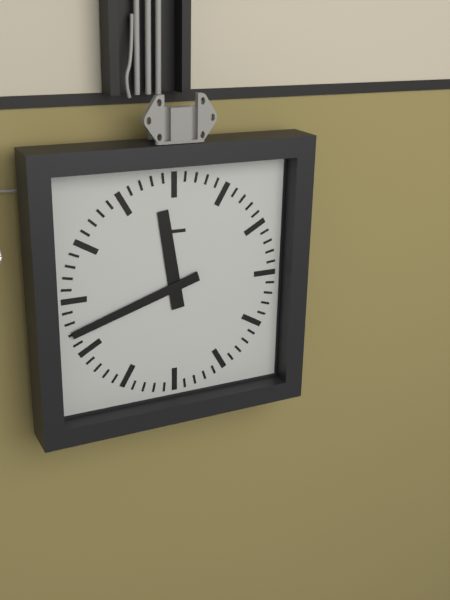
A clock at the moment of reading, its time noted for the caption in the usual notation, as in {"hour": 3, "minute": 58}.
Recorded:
{"hour": 11, "minute": 42}
